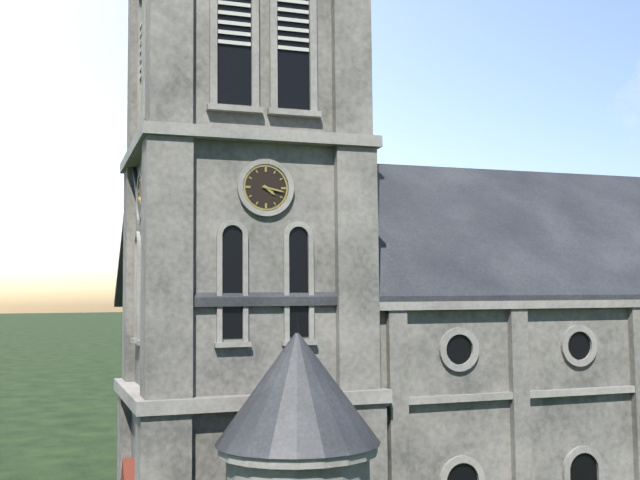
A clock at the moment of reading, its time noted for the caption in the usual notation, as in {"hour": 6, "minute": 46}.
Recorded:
{"hour": 4, "minute": 17}
